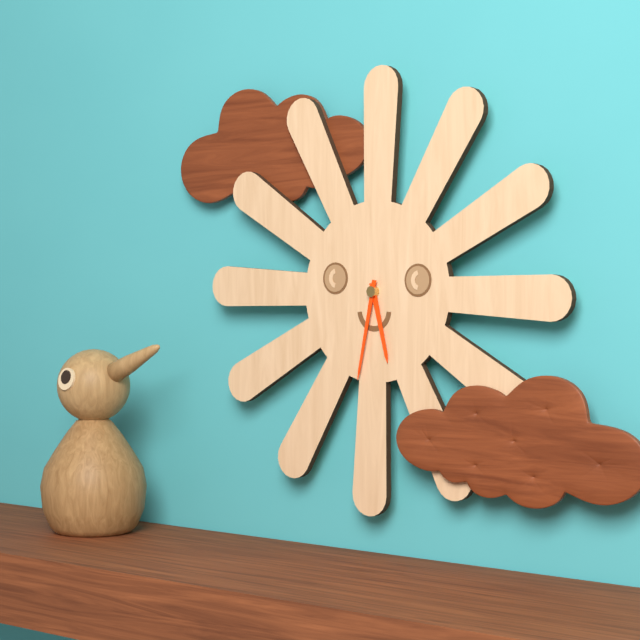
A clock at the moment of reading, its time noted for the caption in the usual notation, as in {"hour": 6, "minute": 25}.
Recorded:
{"hour": 5, "minute": 32}
